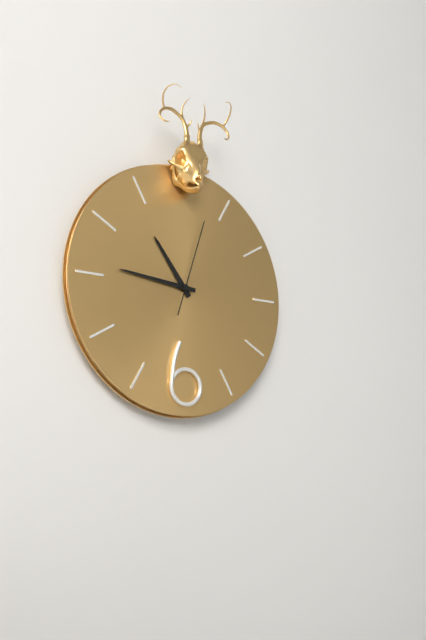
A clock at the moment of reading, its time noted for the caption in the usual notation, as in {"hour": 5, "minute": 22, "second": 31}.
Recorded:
{"hour": 10, "minute": 46, "second": 3}
